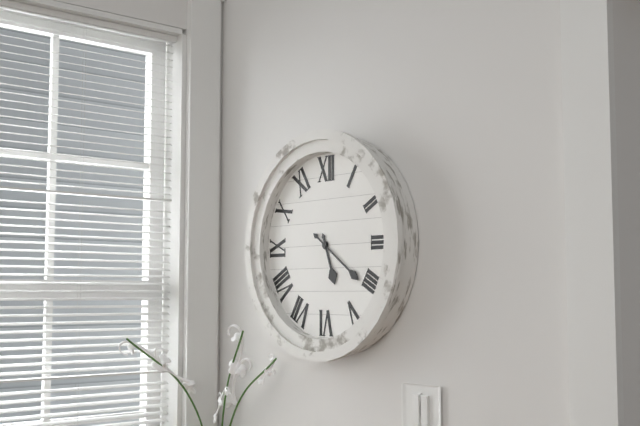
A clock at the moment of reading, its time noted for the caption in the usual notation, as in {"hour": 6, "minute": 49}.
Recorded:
{"hour": 5, "minute": 21}
